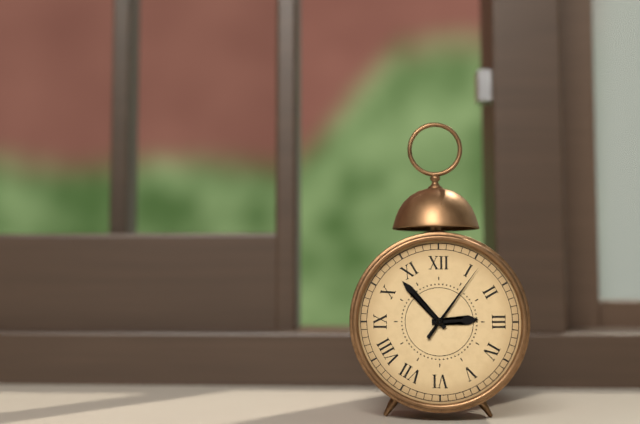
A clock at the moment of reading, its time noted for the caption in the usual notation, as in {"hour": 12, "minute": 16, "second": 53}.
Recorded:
{"hour": 2, "minute": 53, "second": 6}
